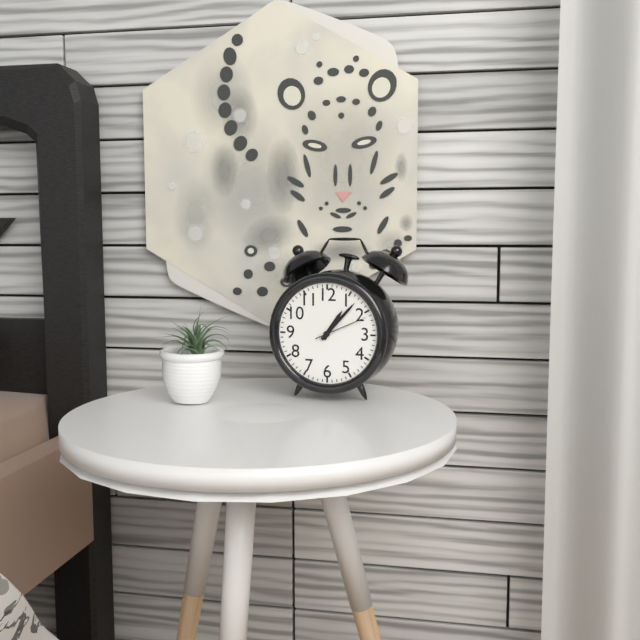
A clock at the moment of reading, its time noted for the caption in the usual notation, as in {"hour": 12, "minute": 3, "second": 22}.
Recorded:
{"hour": 1, "minute": 7, "second": 11}
